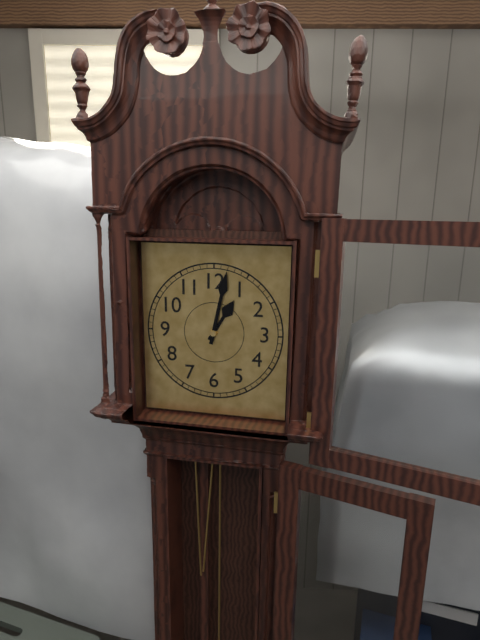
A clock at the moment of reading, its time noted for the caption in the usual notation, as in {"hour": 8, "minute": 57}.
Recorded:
{"hour": 1, "minute": 2}
